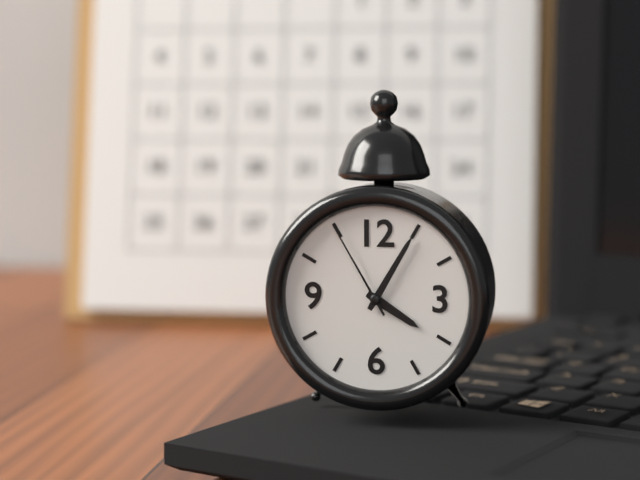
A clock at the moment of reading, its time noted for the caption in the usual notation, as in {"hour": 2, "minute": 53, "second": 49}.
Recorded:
{"hour": 4, "minute": 5, "second": 55}
